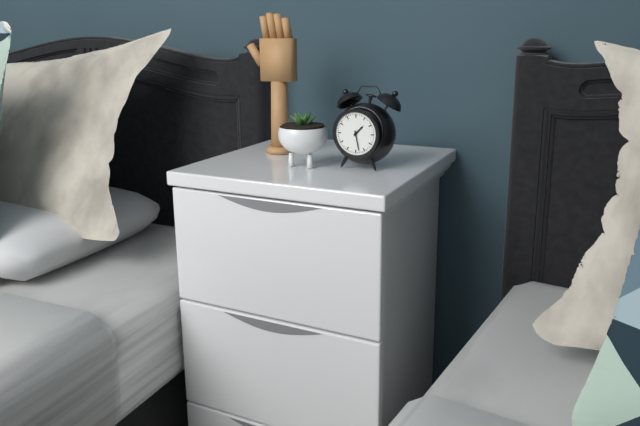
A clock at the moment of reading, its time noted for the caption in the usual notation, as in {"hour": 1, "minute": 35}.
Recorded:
{"hour": 1, "minute": 28}
